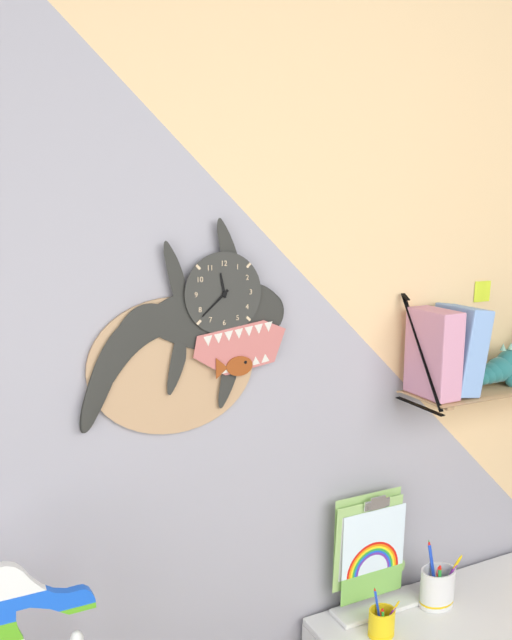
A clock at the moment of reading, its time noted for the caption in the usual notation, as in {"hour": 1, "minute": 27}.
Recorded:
{"hour": 11, "minute": 38}
